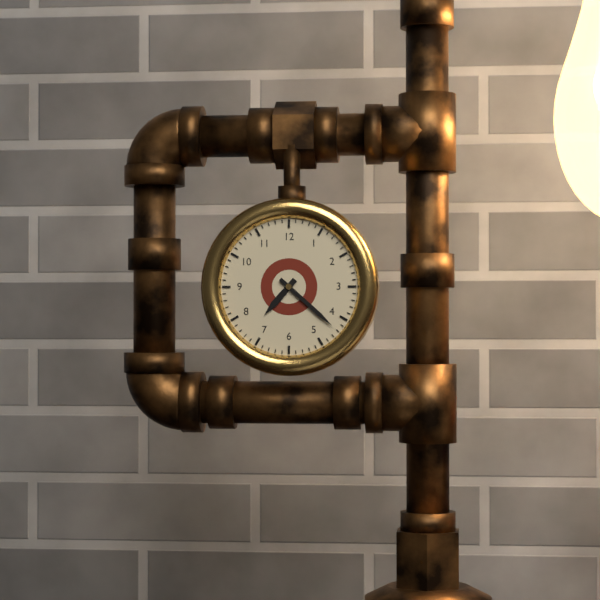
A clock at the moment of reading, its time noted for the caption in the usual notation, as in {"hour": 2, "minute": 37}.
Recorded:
{"hour": 7, "minute": 22}
